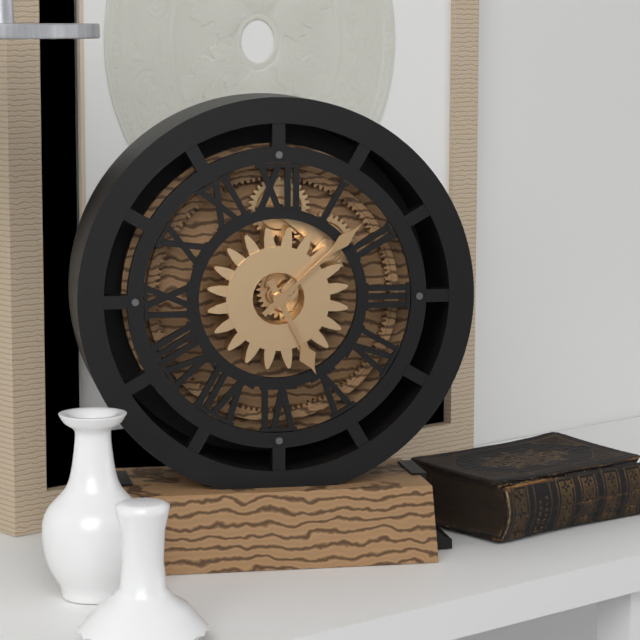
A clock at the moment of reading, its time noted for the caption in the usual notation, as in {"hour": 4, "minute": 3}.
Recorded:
{"hour": 5, "minute": 8}
